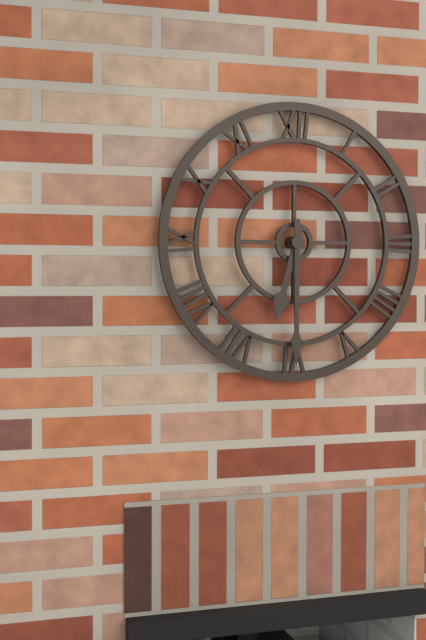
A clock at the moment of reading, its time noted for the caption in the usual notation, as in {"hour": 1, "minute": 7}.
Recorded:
{"hour": 6, "minute": 30}
